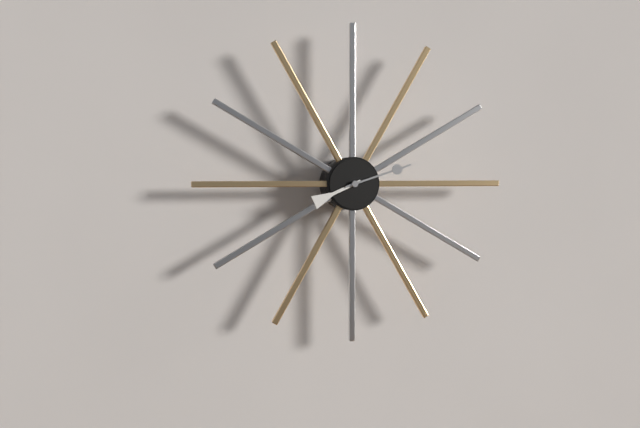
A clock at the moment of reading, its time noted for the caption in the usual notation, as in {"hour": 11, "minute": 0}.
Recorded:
{"hour": 8, "minute": 12}
